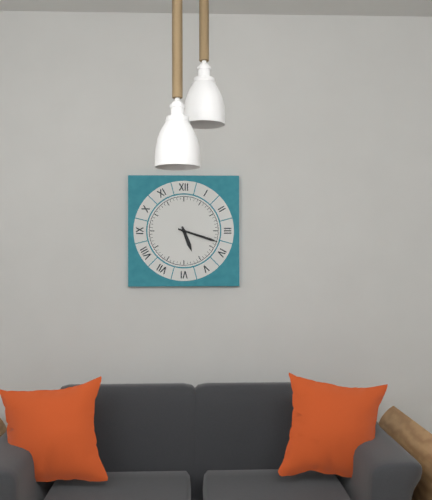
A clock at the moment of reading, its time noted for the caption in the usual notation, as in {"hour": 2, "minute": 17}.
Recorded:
{"hour": 5, "minute": 18}
